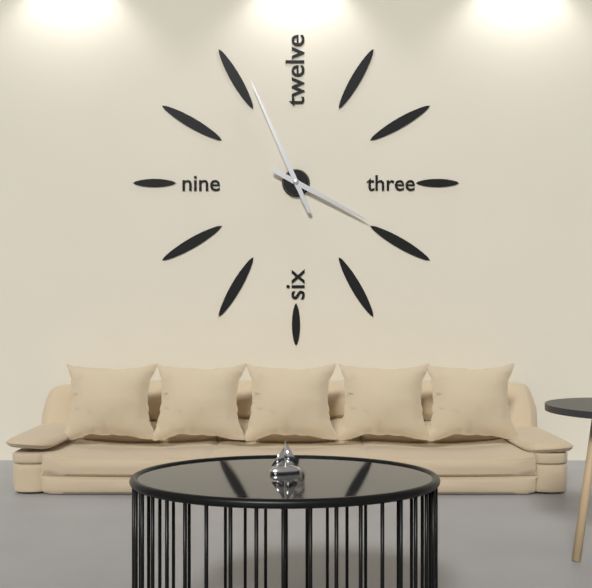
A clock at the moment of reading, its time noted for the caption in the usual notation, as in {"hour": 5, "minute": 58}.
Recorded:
{"hour": 3, "minute": 56}
